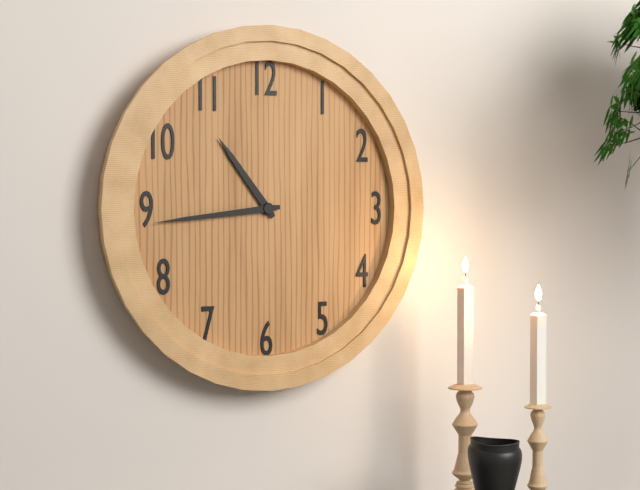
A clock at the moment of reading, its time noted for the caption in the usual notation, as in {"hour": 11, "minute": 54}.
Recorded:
{"hour": 10, "minute": 44}
